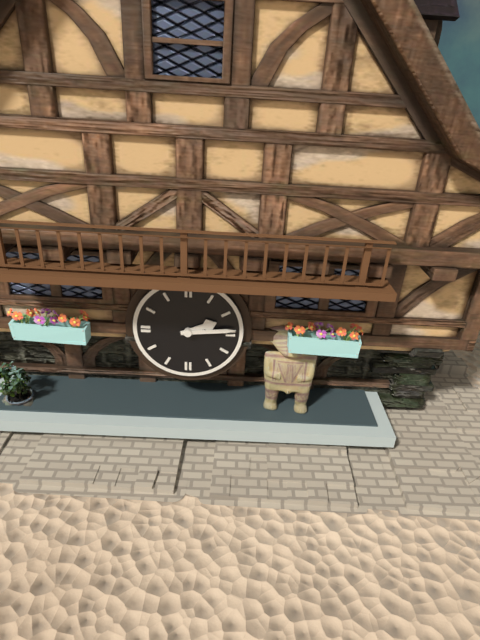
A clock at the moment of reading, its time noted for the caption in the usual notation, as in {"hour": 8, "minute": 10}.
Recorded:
{"hour": 2, "minute": 14}
